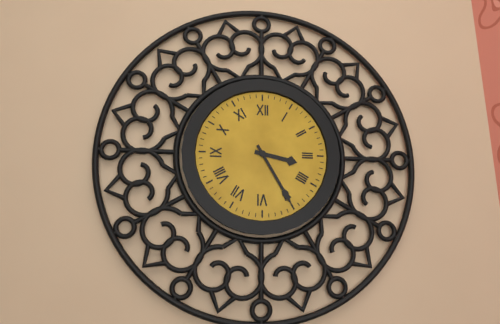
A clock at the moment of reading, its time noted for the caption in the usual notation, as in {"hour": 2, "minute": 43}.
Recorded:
{"hour": 3, "minute": 25}
